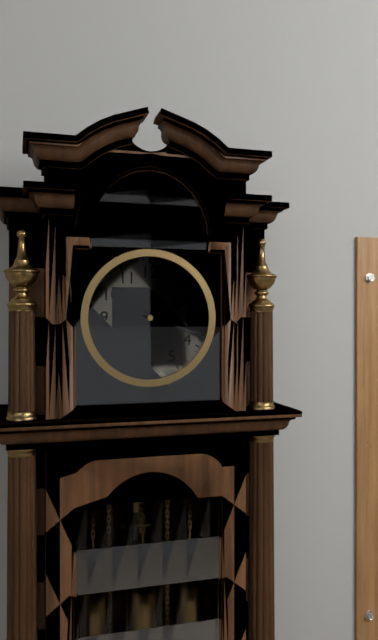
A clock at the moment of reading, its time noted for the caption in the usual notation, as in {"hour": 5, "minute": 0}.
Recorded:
{"hour": 2, "minute": 18}
